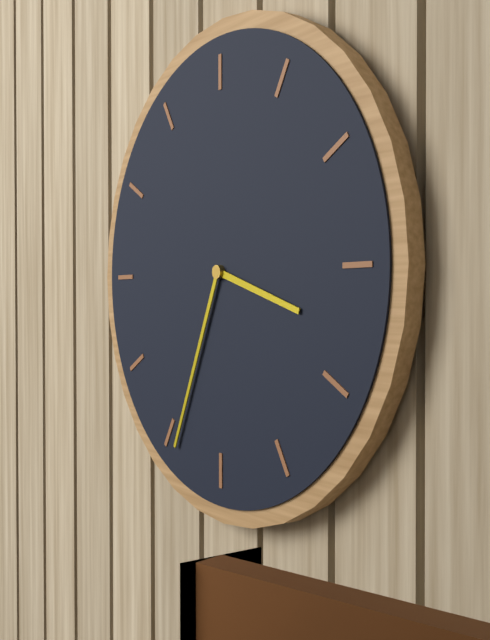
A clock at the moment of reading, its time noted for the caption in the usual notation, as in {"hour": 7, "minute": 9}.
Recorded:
{"hour": 3, "minute": 34}
